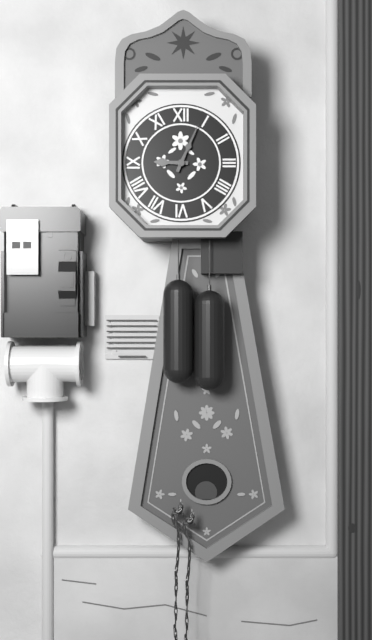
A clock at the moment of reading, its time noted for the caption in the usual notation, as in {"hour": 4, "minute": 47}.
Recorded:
{"hour": 9, "minute": 4}
